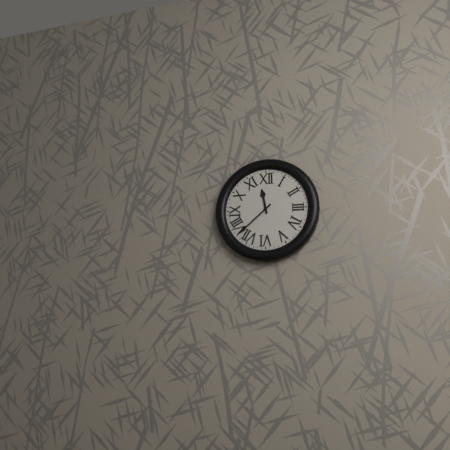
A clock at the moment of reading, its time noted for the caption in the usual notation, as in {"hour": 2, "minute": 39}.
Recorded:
{"hour": 11, "minute": 38}
